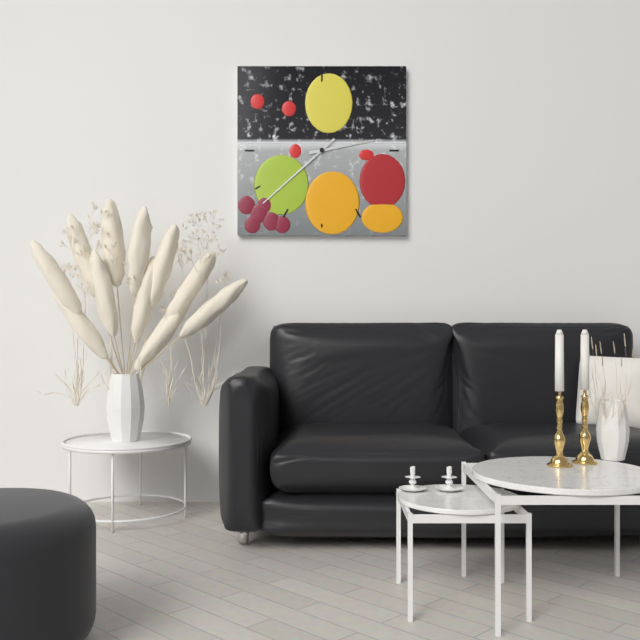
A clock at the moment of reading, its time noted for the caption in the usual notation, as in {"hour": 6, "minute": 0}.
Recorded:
{"hour": 2, "minute": 38}
